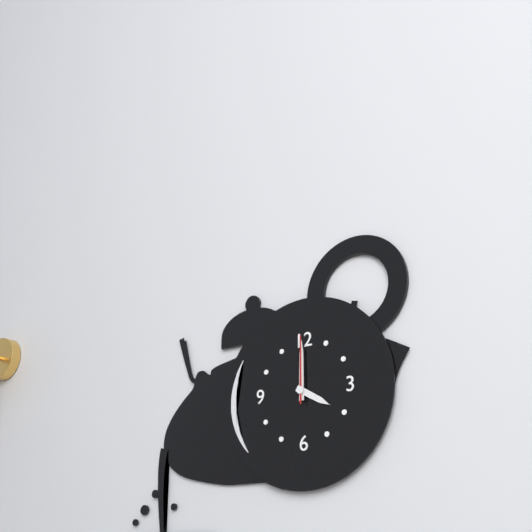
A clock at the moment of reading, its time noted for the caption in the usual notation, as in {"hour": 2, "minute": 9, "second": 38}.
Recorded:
{"hour": 4, "minute": 0, "second": 0}
